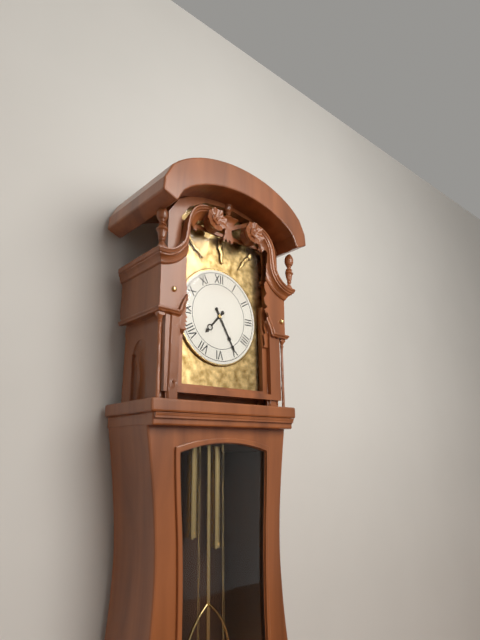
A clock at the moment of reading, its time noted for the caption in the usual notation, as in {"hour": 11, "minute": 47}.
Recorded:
{"hour": 7, "minute": 25}
